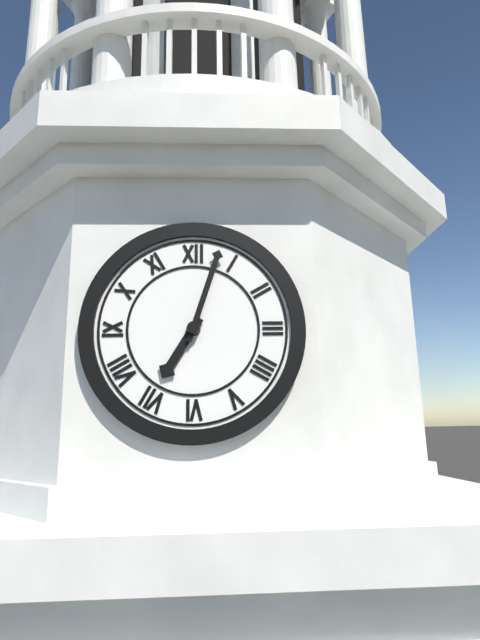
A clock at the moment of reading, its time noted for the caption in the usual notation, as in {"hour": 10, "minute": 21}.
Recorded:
{"hour": 7, "minute": 3}
